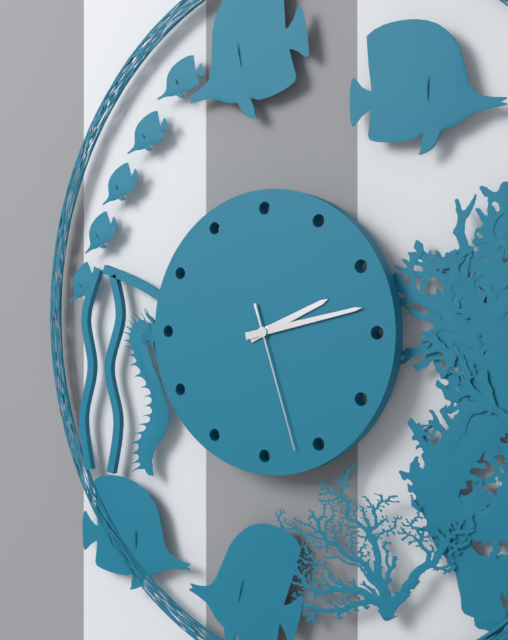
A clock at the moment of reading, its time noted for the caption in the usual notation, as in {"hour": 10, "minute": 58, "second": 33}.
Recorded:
{"hour": 2, "minute": 13, "second": 27}
